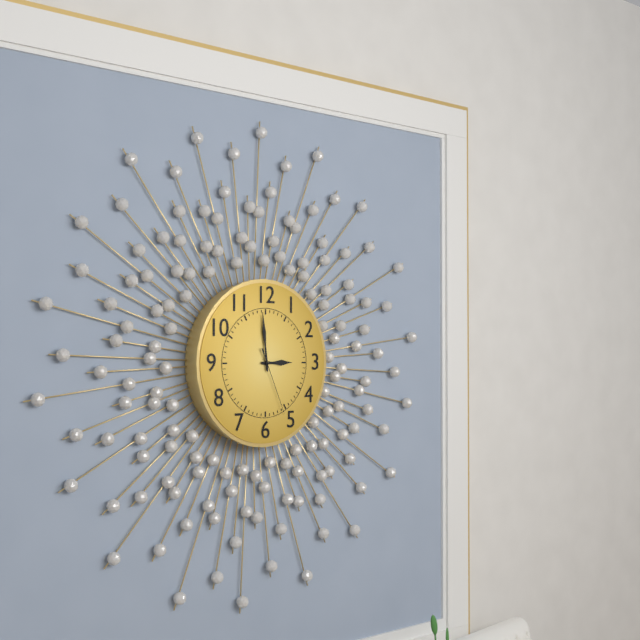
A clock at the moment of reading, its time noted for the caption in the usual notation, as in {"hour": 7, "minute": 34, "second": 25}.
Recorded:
{"hour": 2, "minute": 59, "second": 26}
